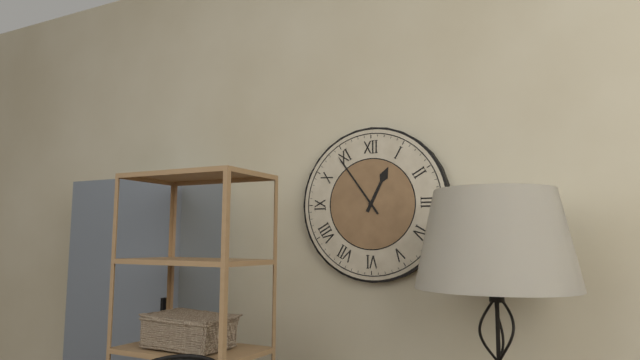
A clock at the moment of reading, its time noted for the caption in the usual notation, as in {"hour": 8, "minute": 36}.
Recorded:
{"hour": 12, "minute": 54}
